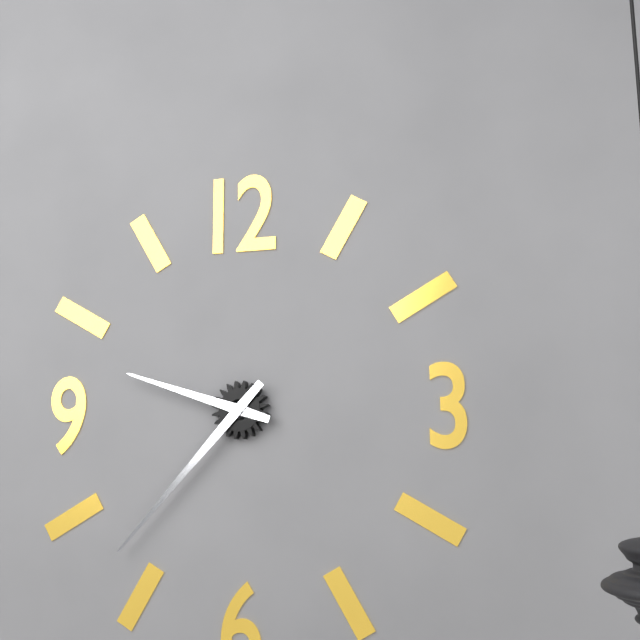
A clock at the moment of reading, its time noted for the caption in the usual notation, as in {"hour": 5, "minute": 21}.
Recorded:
{"hour": 9, "minute": 37}
